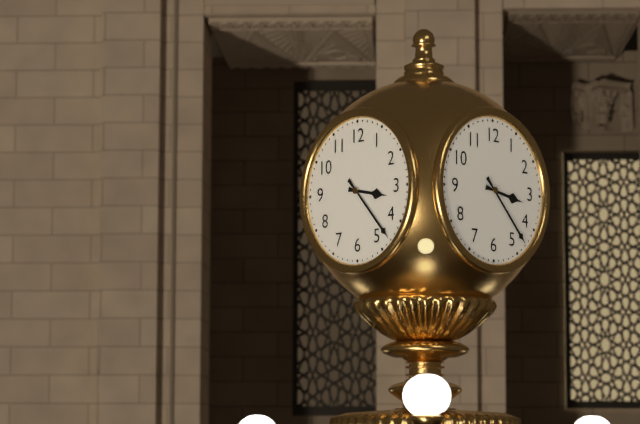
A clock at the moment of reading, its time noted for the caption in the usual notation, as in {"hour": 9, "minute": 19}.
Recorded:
{"hour": 3, "minute": 23}
